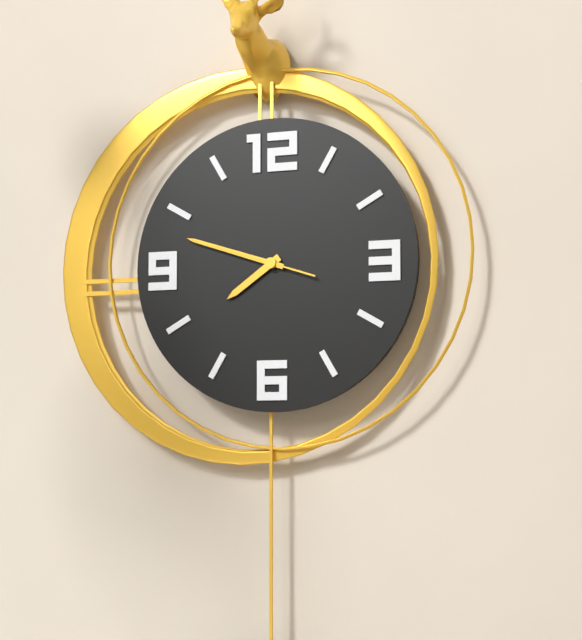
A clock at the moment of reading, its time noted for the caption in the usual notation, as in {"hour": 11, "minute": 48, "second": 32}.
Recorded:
{"hour": 7, "minute": 48, "second": 48}
